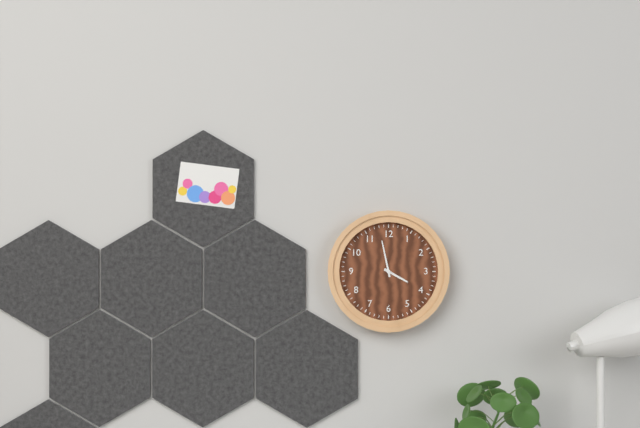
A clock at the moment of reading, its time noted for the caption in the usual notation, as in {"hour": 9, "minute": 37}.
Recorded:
{"hour": 3, "minute": 58}
